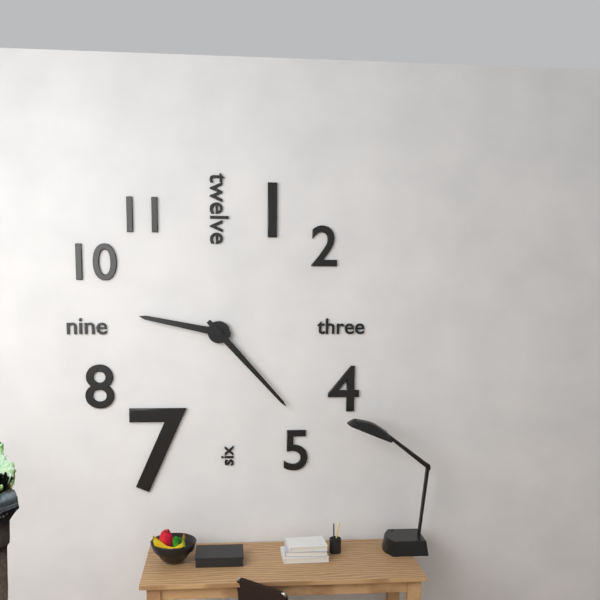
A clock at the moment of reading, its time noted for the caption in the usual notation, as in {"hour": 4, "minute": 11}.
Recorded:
{"hour": 9, "minute": 23}
